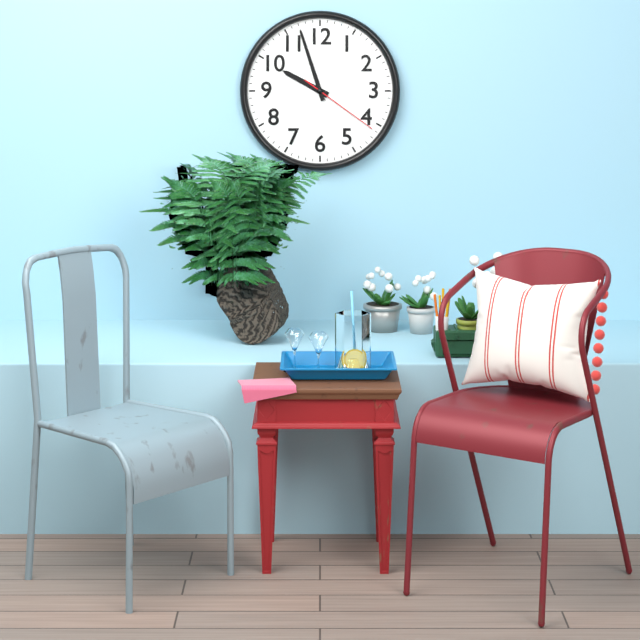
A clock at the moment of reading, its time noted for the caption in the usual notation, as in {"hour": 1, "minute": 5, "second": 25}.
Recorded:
{"hour": 9, "minute": 57, "second": 21}
